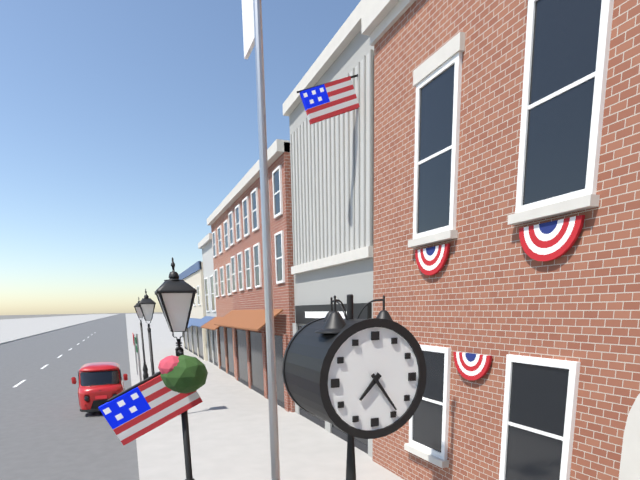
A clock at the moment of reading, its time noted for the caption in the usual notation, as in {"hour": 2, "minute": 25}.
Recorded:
{"hour": 7, "minute": 24}
